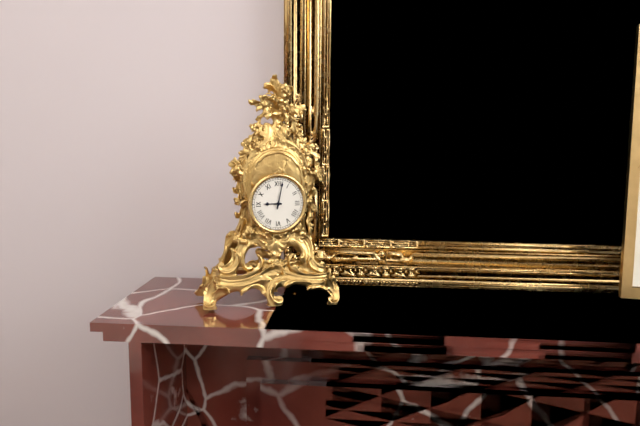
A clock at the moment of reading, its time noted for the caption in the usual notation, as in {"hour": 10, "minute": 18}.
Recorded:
{"hour": 9, "minute": 2}
